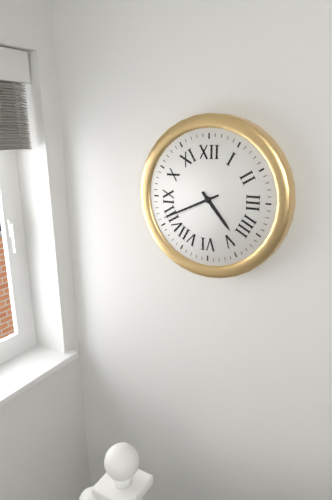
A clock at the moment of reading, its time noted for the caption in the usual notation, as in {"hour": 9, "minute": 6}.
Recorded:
{"hour": 4, "minute": 41}
